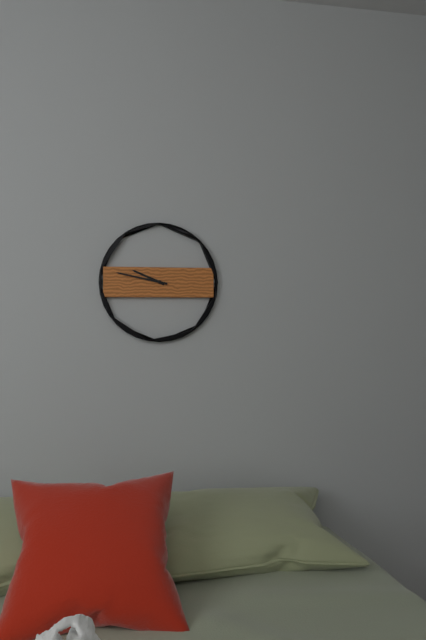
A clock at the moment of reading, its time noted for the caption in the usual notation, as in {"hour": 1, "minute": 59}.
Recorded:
{"hour": 9, "minute": 47}
